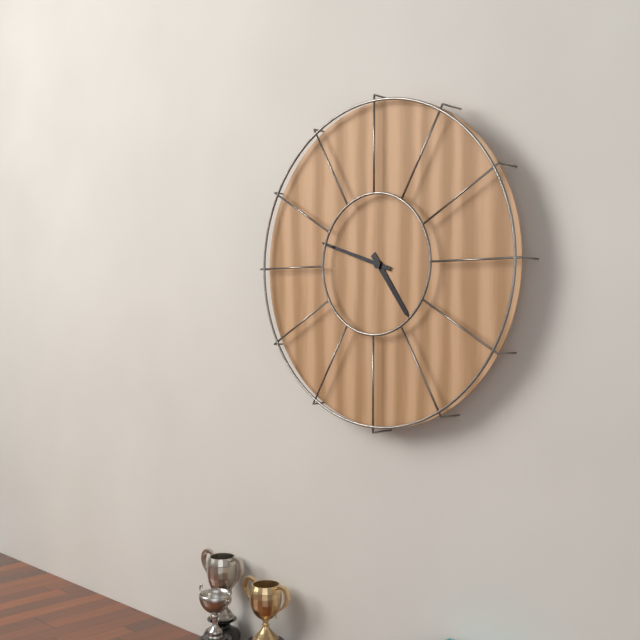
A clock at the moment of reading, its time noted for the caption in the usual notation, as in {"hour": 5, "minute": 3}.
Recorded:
{"hour": 4, "minute": 48}
